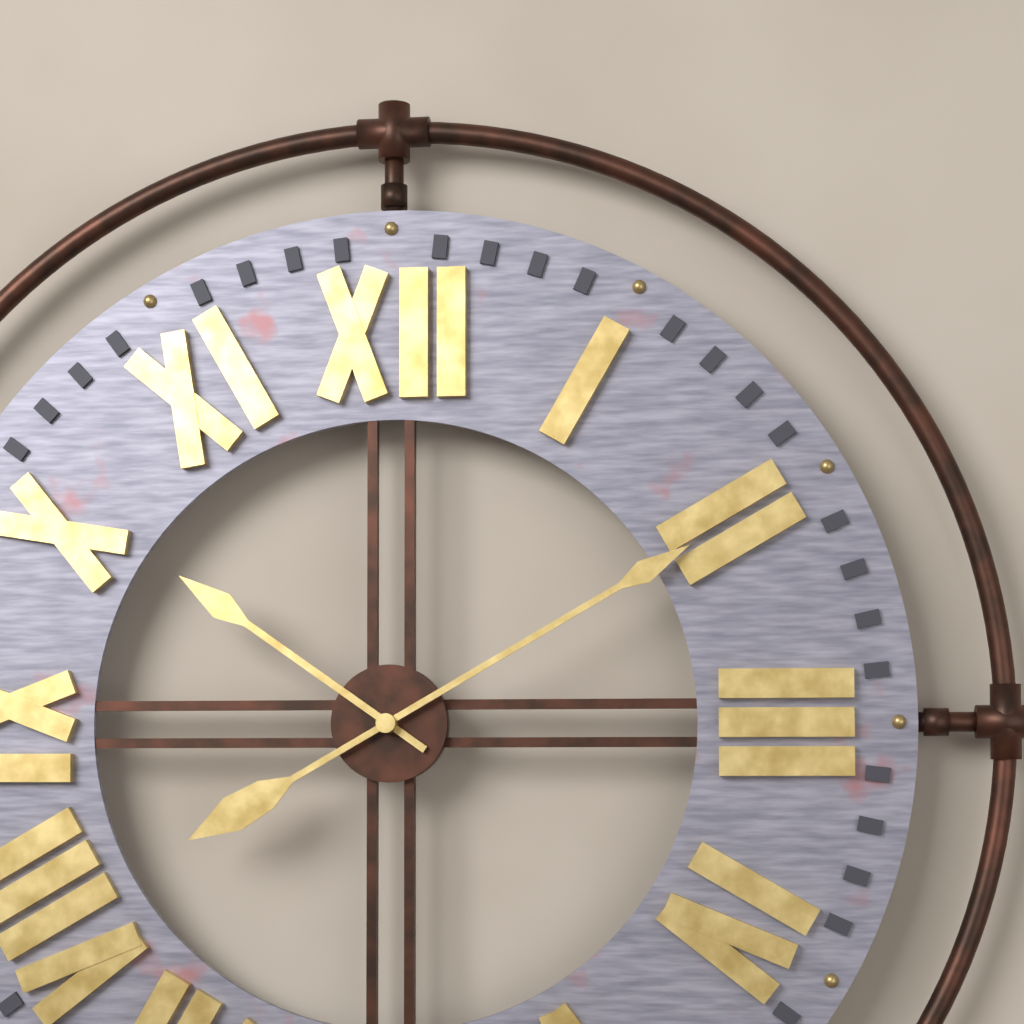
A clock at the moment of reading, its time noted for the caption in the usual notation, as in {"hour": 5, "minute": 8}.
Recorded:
{"hour": 10, "minute": 10}
